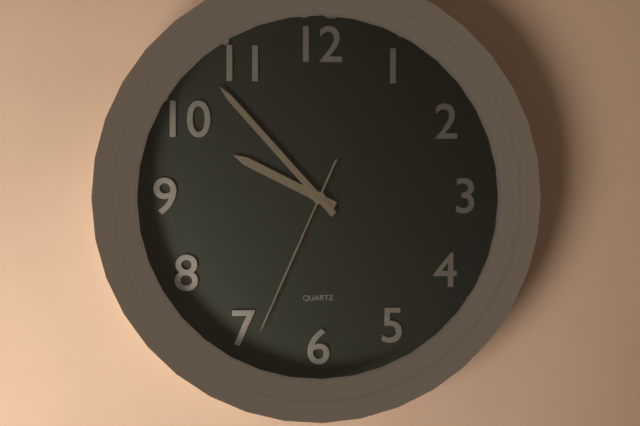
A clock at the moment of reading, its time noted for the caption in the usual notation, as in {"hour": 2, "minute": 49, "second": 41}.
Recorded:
{"hour": 9, "minute": 53, "second": 34}
